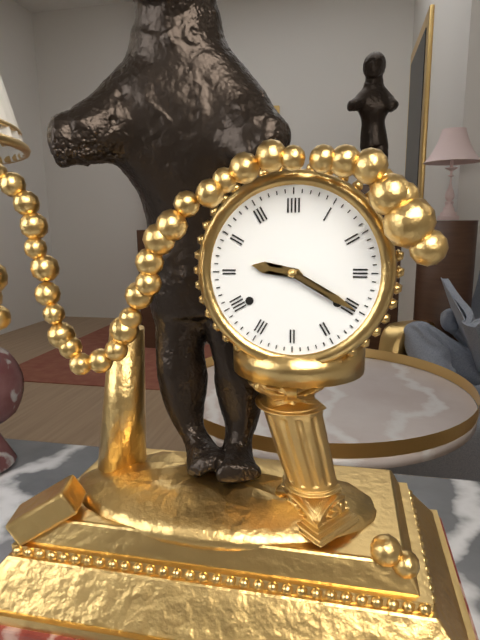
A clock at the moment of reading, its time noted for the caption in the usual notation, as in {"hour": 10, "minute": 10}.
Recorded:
{"hour": 9, "minute": 20}
